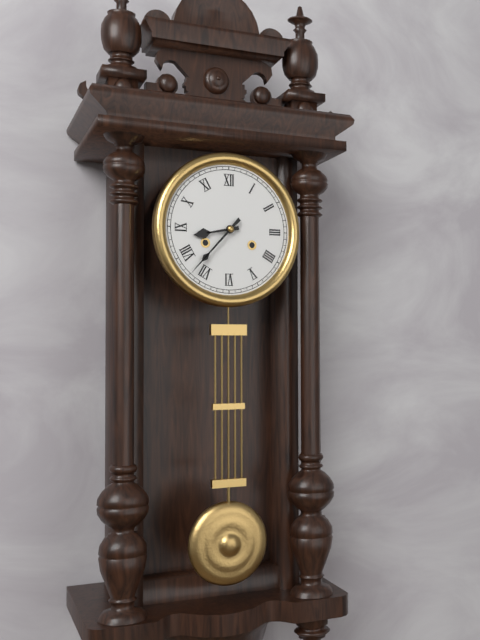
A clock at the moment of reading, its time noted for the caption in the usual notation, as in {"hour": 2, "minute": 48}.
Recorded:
{"hour": 8, "minute": 37}
